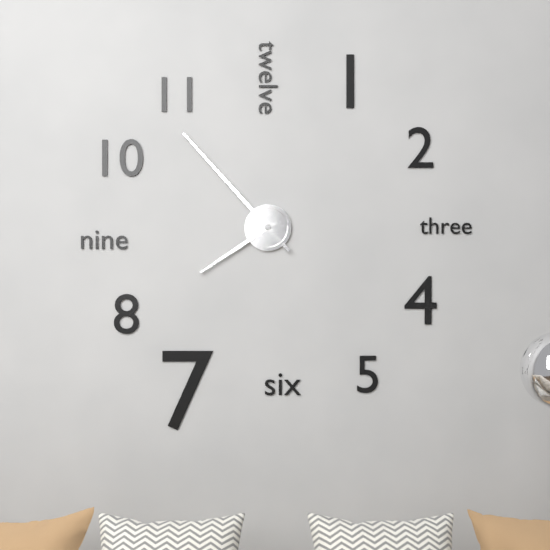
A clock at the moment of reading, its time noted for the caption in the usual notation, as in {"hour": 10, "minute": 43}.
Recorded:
{"hour": 7, "minute": 53}
